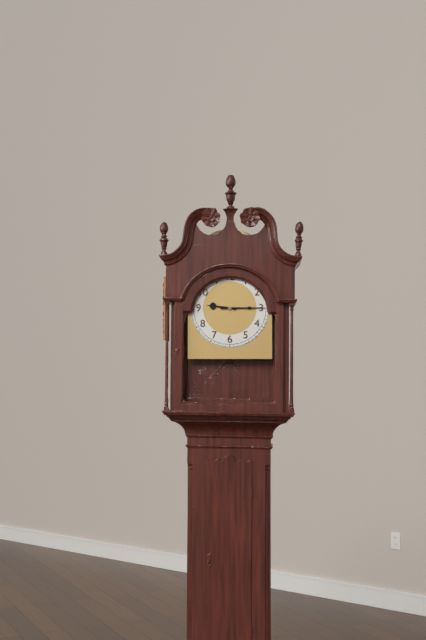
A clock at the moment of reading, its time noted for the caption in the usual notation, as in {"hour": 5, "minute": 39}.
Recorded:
{"hour": 9, "minute": 15}
